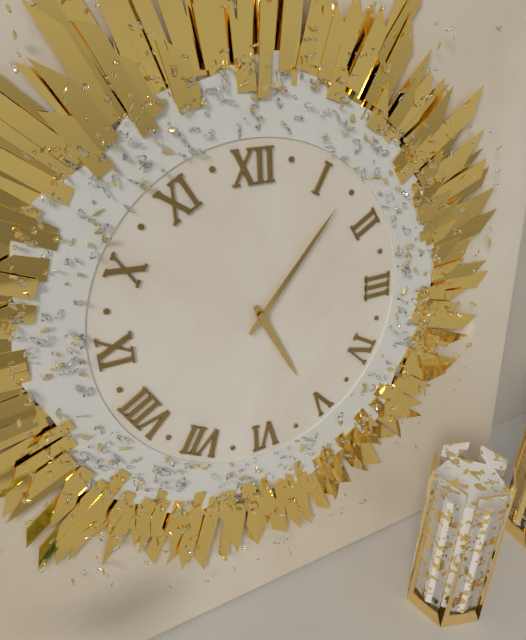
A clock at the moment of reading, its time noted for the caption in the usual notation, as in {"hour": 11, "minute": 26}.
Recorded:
{"hour": 5, "minute": 7}
